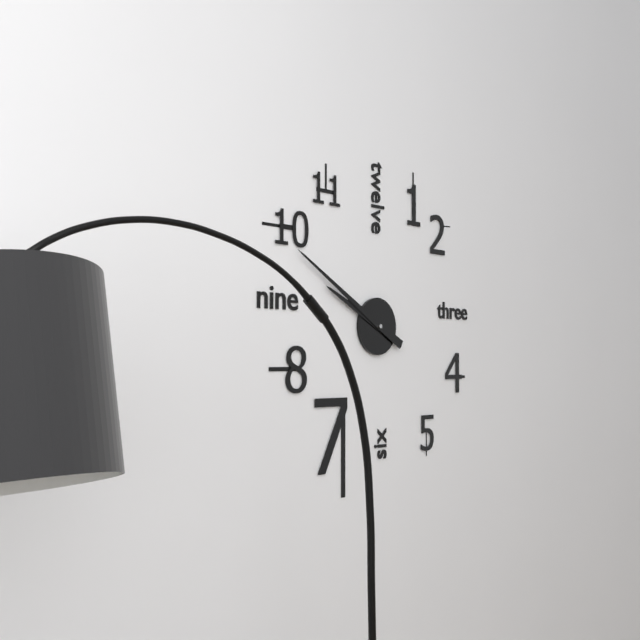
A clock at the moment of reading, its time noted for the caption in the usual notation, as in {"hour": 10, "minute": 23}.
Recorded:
{"hour": 9, "minute": 50}
